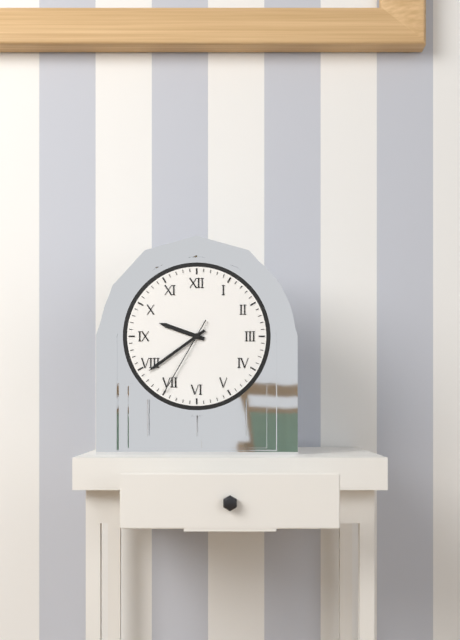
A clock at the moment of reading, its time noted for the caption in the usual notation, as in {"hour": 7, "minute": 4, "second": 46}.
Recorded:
{"hour": 9, "minute": 39, "second": 35}
